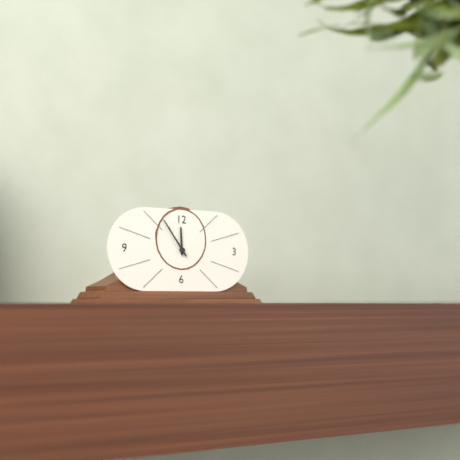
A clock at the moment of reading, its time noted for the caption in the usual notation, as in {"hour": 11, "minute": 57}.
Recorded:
{"hour": 11, "minute": 54}
